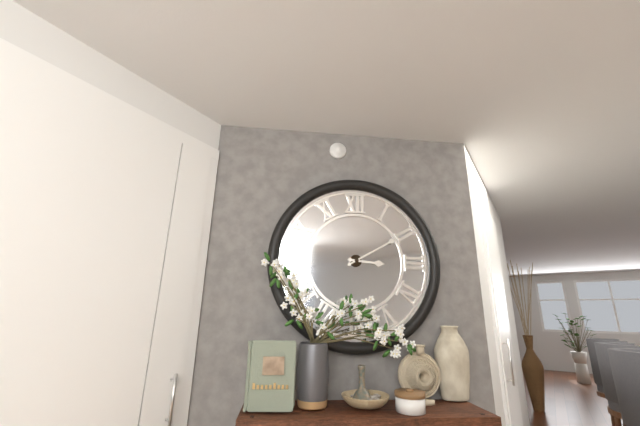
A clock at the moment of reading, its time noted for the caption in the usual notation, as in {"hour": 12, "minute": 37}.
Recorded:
{"hour": 3, "minute": 10}
